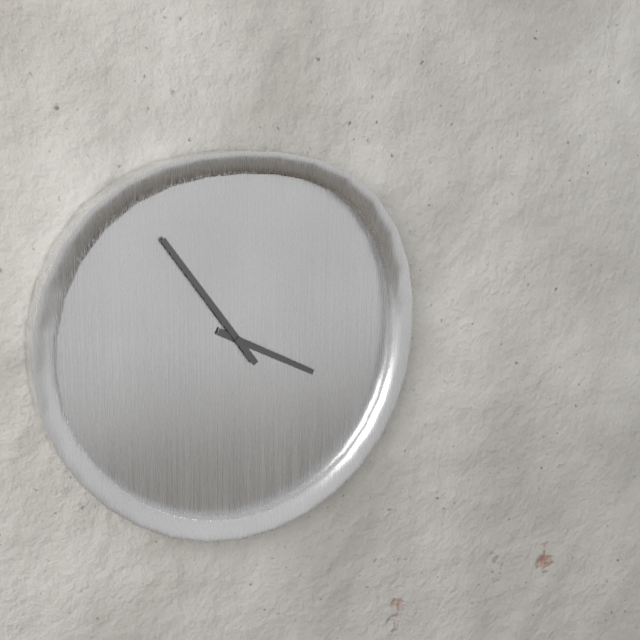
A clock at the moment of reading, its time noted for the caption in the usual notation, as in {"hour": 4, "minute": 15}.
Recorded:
{"hour": 3, "minute": 54}
